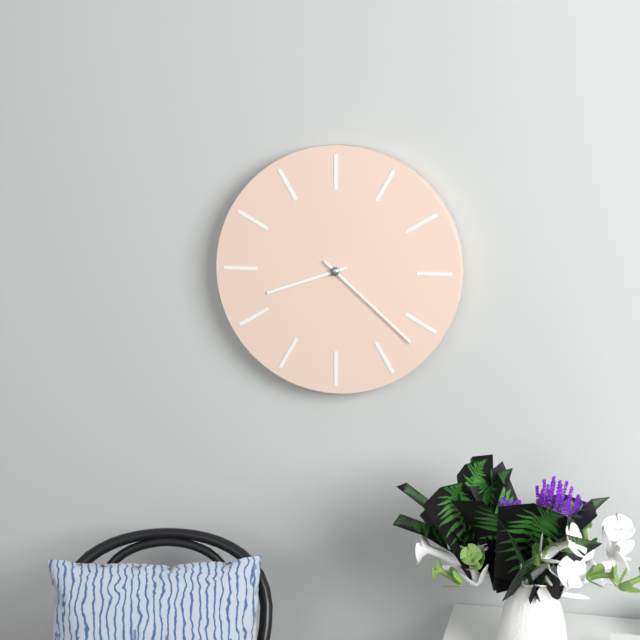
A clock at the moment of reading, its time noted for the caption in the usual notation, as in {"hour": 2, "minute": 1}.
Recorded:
{"hour": 8, "minute": 22}
